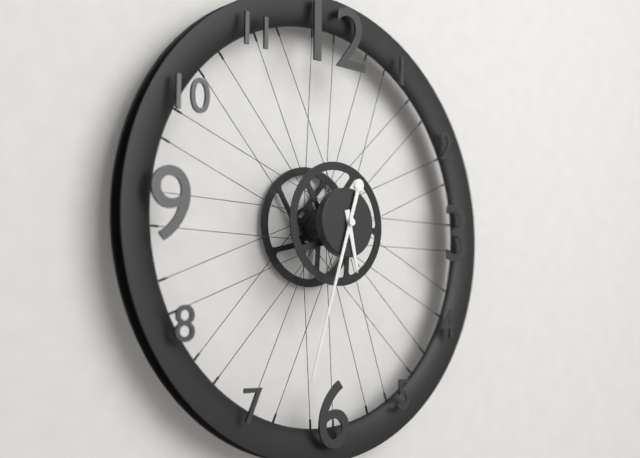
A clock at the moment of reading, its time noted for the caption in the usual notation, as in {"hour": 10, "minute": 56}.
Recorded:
{"hour": 5, "minute": 33}
